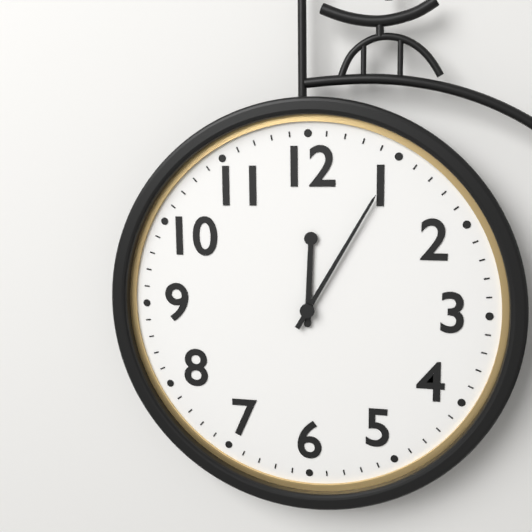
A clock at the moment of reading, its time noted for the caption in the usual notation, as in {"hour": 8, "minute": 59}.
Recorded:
{"hour": 12, "minute": 5}
